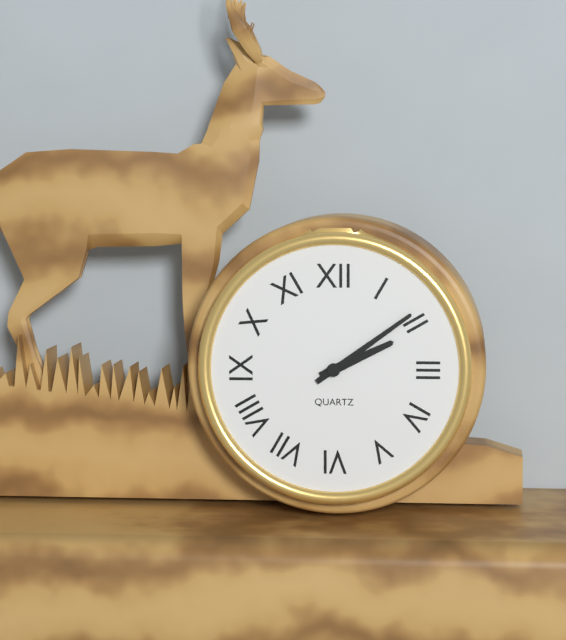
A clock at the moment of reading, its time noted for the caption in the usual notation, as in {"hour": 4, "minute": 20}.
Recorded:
{"hour": 2, "minute": 9}
